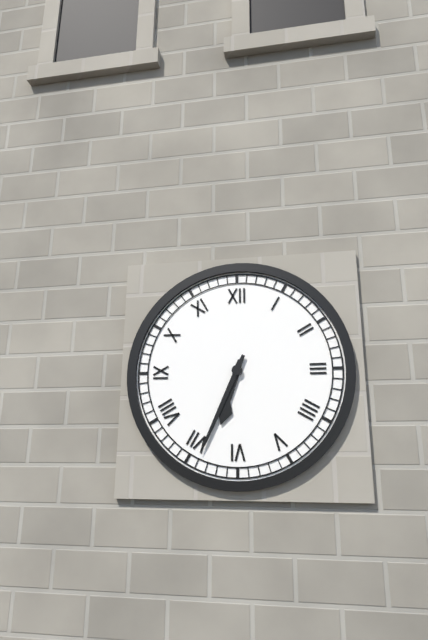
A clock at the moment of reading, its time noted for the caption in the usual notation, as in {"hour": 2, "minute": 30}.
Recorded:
{"hour": 6, "minute": 34}
